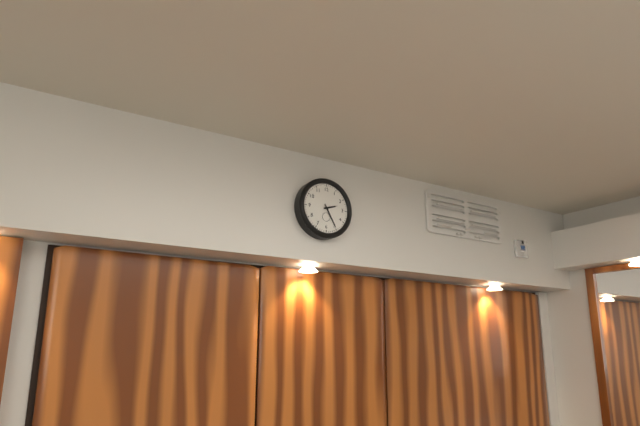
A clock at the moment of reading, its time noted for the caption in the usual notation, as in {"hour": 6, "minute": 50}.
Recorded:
{"hour": 2, "minute": 25}
